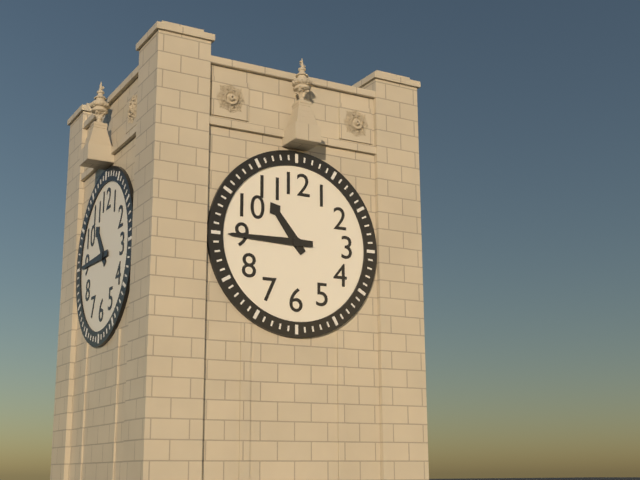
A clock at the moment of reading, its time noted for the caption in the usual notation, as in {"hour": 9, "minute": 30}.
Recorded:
{"hour": 10, "minute": 45}
